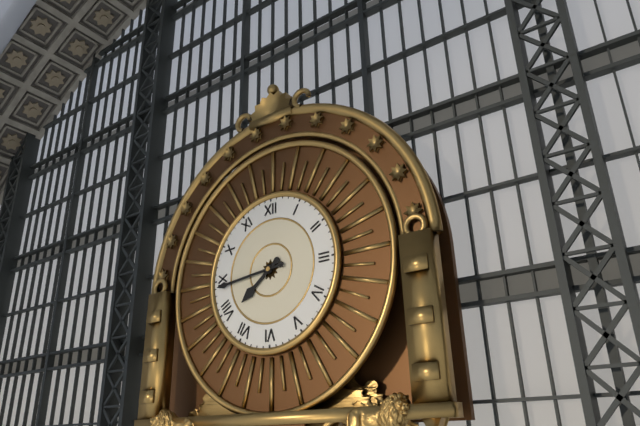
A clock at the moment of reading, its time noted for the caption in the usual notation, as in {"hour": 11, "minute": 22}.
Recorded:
{"hour": 7, "minute": 44}
